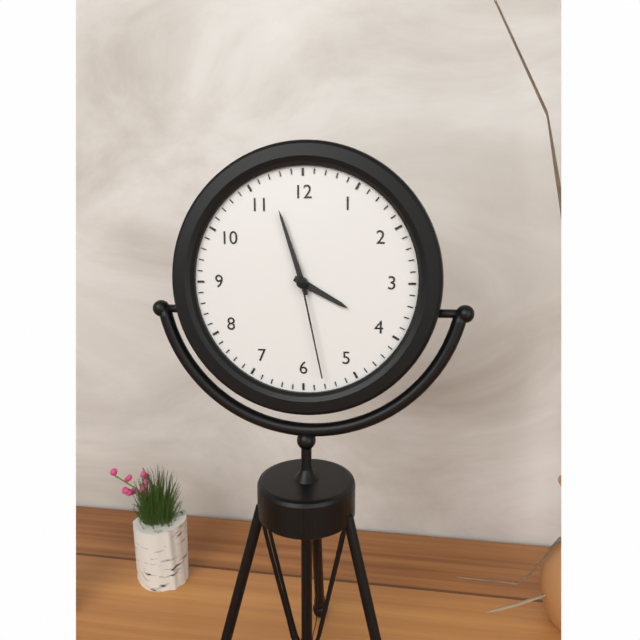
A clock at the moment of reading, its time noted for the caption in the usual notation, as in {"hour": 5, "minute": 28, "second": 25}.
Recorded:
{"hour": 3, "minute": 57, "second": 28}
